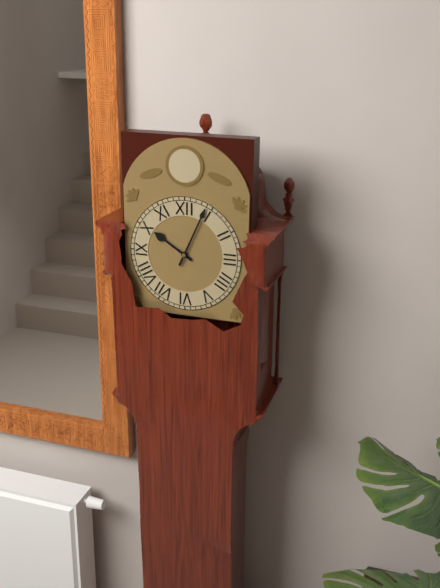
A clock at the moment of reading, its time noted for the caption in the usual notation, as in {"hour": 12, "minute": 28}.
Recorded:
{"hour": 10, "minute": 4}
